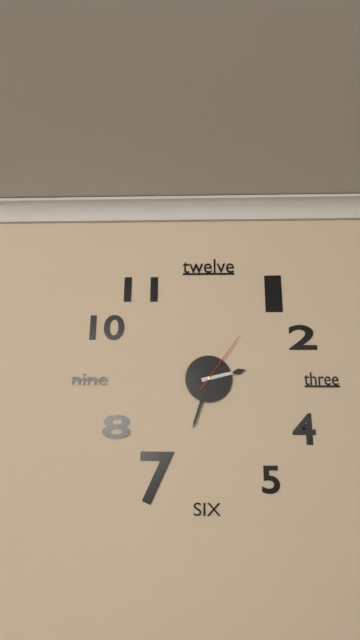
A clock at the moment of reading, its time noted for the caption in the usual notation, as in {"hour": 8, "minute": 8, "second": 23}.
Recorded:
{"hour": 2, "minute": 33, "second": 6}
